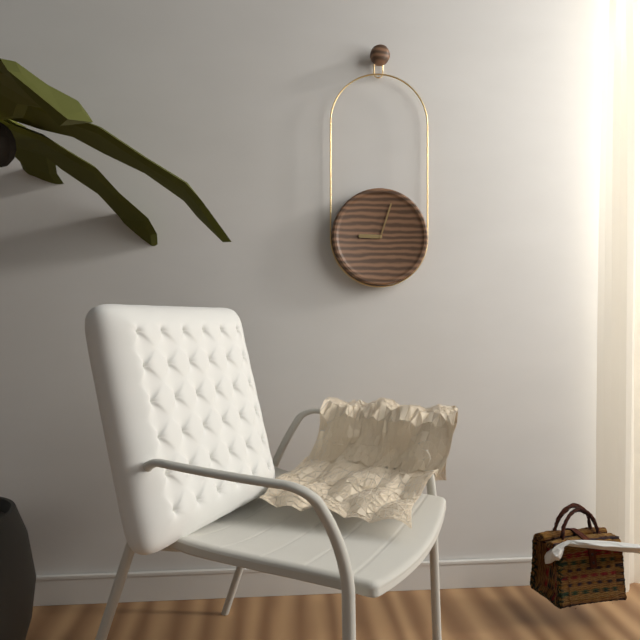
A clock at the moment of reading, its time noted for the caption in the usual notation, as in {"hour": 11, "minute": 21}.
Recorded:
{"hour": 9, "minute": 3}
